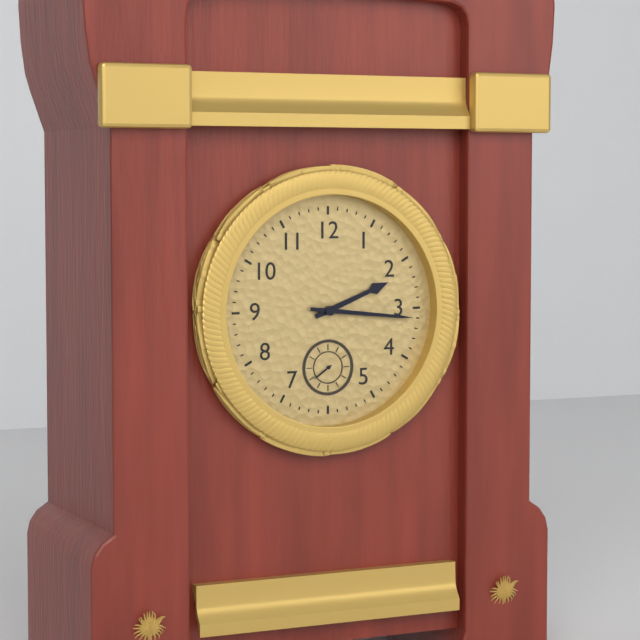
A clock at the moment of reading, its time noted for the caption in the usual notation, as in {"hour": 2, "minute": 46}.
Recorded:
{"hour": 2, "minute": 16}
